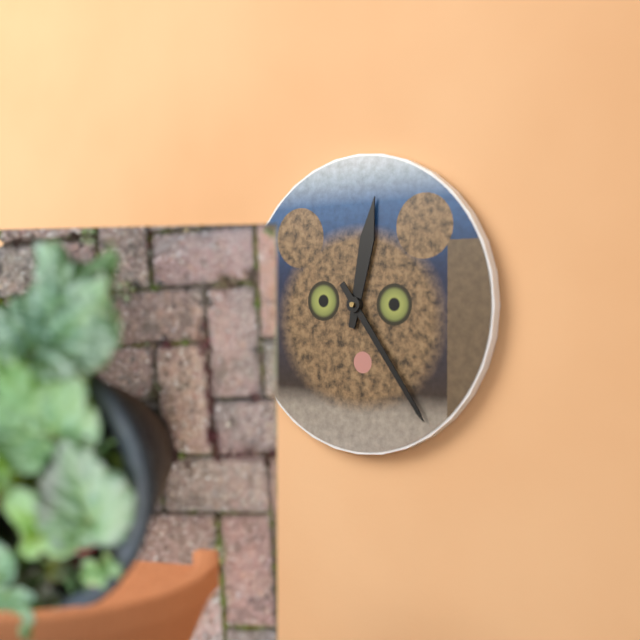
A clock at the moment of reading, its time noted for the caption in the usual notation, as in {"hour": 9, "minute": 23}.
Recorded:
{"hour": 12, "minute": 24}
